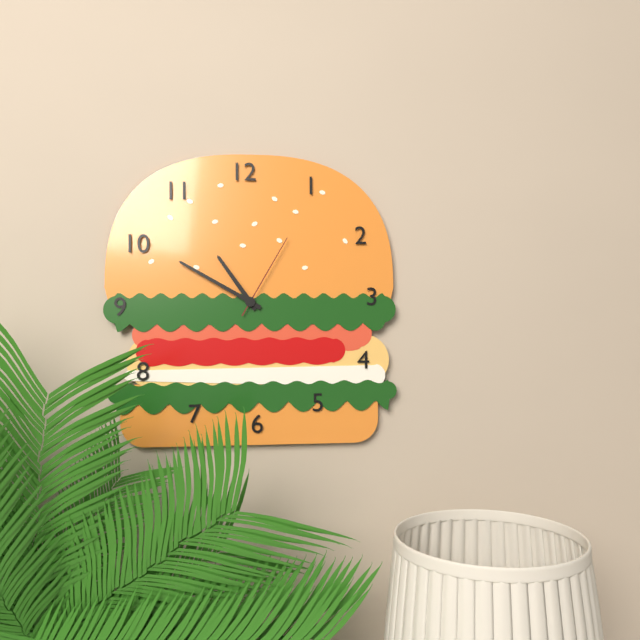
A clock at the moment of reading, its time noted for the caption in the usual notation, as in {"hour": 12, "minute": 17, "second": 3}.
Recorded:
{"hour": 10, "minute": 50, "second": 5}
